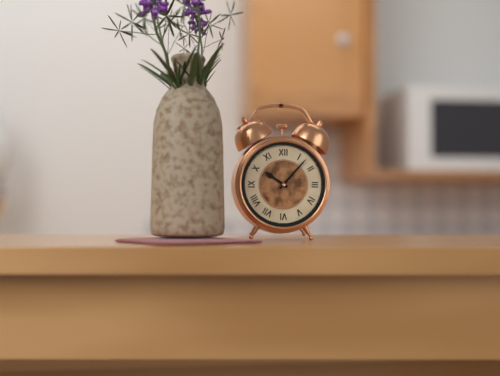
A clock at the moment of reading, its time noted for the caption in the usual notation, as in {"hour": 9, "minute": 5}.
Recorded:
{"hour": 10, "minute": 7}
